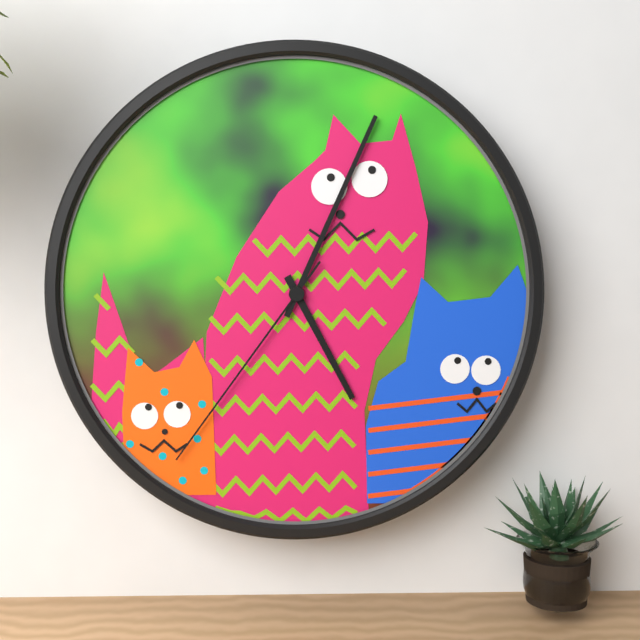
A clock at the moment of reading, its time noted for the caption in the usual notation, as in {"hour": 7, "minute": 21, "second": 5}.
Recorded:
{"hour": 5, "minute": 4, "second": 36}
